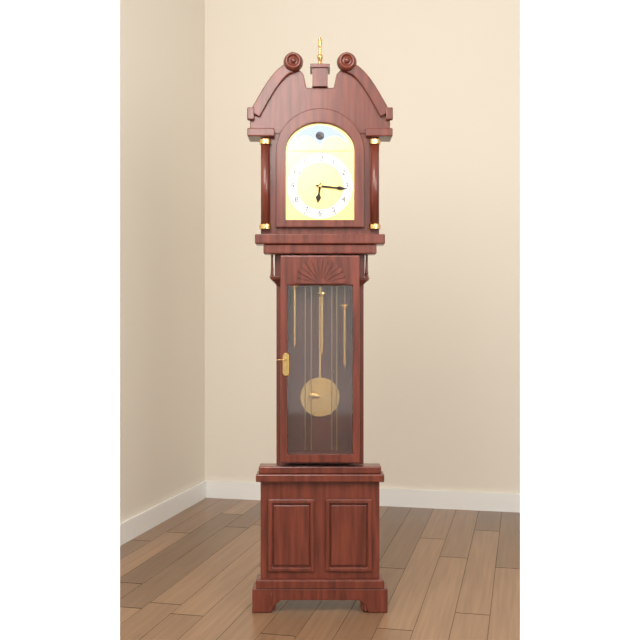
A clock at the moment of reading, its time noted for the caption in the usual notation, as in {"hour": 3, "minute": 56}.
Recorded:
{"hour": 6, "minute": 16}
